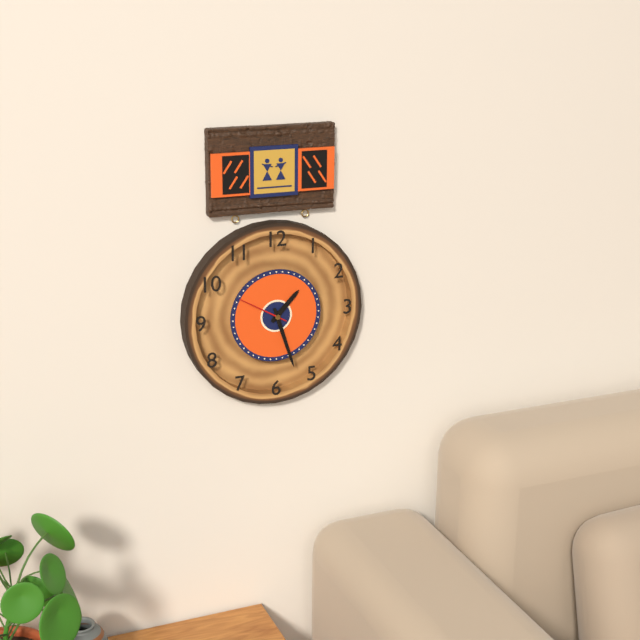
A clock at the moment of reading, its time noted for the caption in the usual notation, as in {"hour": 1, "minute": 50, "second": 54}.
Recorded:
{"hour": 1, "minute": 27, "second": 50}
